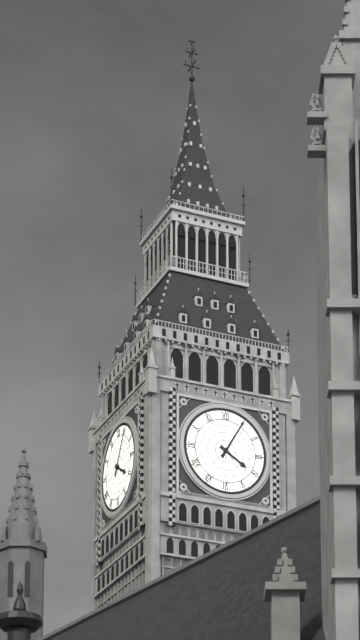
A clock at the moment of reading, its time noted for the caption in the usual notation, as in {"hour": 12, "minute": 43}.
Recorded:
{"hour": 4, "minute": 5}
